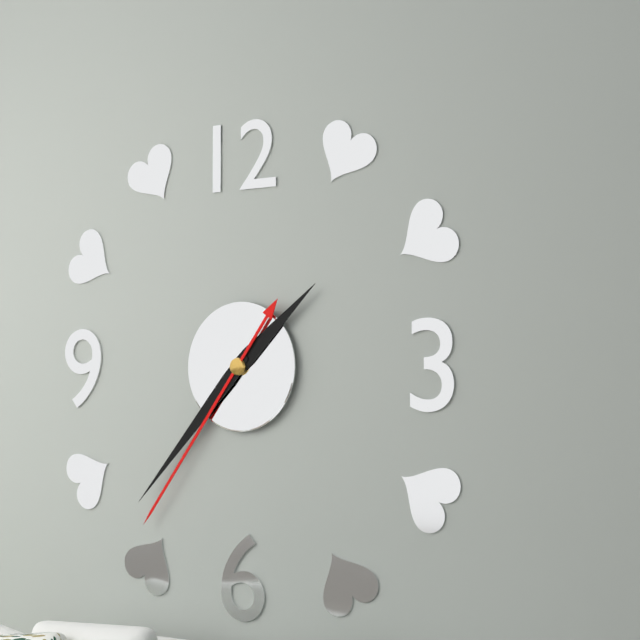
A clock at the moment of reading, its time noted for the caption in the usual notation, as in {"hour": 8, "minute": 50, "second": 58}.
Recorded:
{"hour": 1, "minute": 37, "second": 36}
